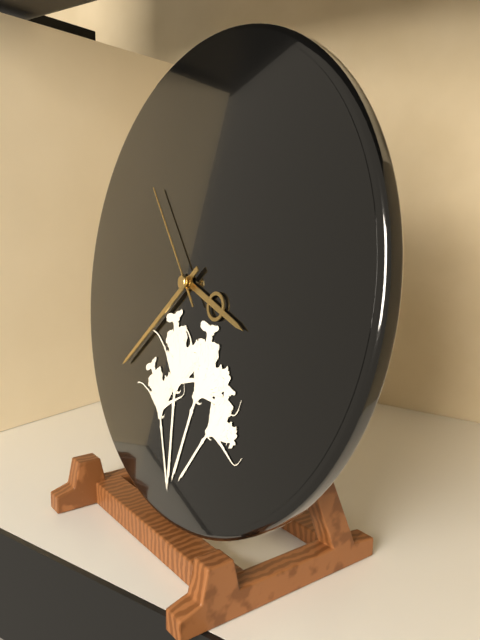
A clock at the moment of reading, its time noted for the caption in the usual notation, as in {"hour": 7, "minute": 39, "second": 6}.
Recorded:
{"hour": 3, "minute": 38, "second": 53}
